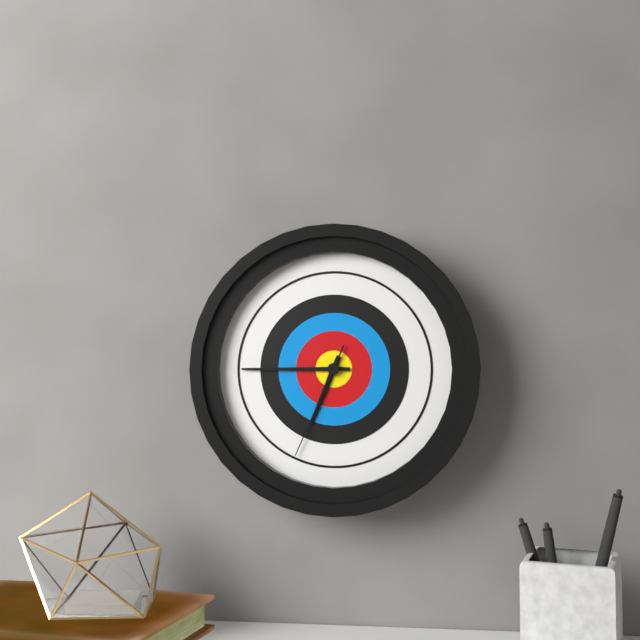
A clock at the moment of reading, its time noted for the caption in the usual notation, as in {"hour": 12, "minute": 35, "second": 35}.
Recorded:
{"hour": 6, "minute": 45, "second": 34}
